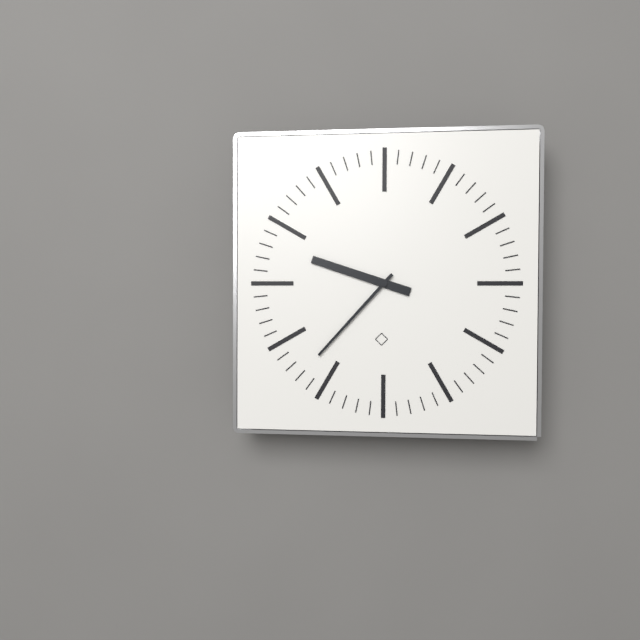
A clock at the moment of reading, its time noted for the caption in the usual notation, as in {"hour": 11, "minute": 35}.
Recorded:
{"hour": 9, "minute": 37}
